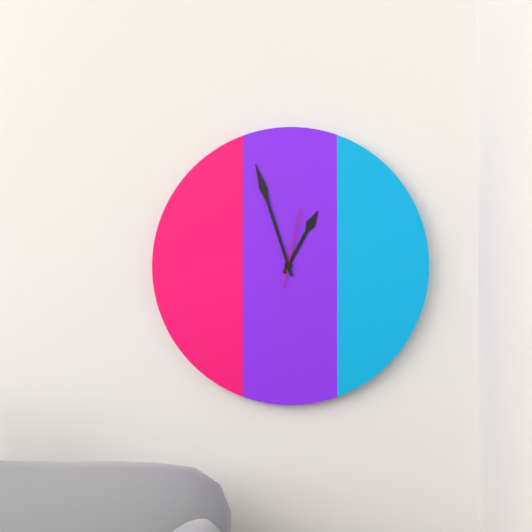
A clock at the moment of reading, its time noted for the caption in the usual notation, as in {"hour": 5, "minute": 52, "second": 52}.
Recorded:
{"hour": 12, "minute": 57, "second": 2}
